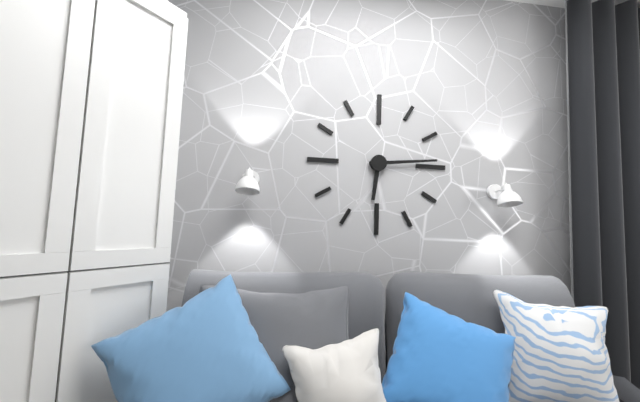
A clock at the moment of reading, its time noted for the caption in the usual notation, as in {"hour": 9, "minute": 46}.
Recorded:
{"hour": 6, "minute": 14}
